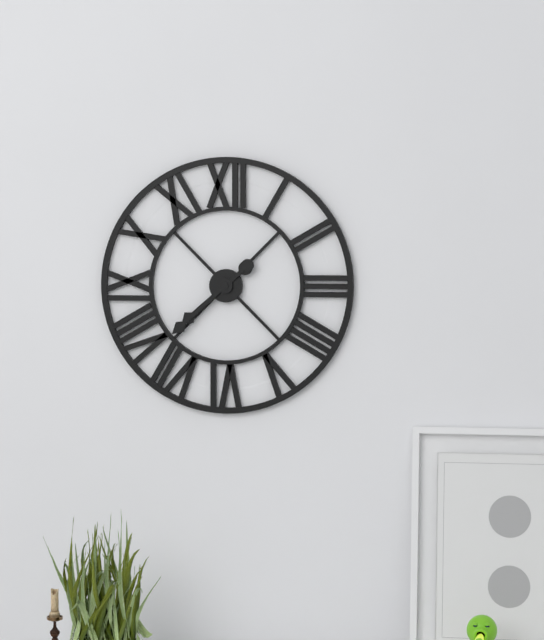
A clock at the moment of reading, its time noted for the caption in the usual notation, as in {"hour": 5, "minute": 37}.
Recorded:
{"hour": 7, "minute": 38}
